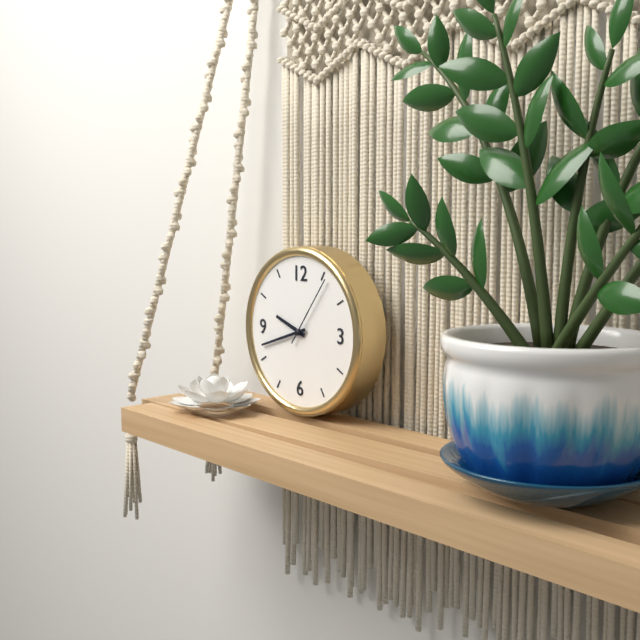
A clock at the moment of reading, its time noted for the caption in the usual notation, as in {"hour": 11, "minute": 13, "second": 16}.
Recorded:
{"hour": 9, "minute": 42, "second": 6}
